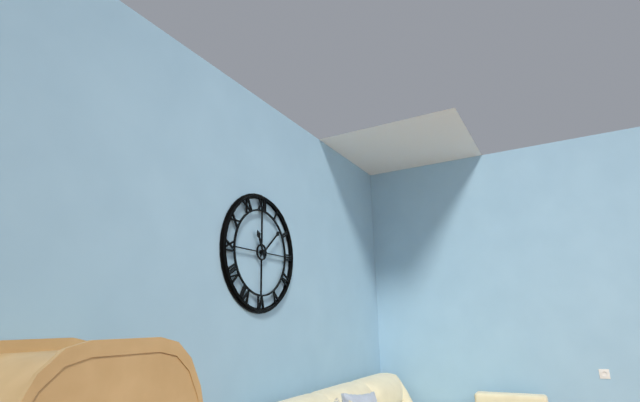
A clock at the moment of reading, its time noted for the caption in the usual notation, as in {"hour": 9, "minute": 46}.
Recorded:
{"hour": 11, "minute": 8}
